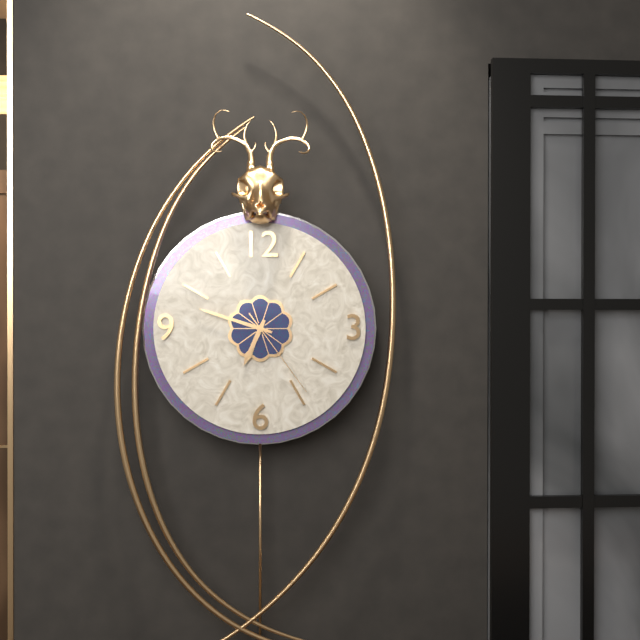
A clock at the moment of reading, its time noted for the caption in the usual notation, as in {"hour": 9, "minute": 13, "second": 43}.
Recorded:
{"hour": 6, "minute": 48, "second": 24}
